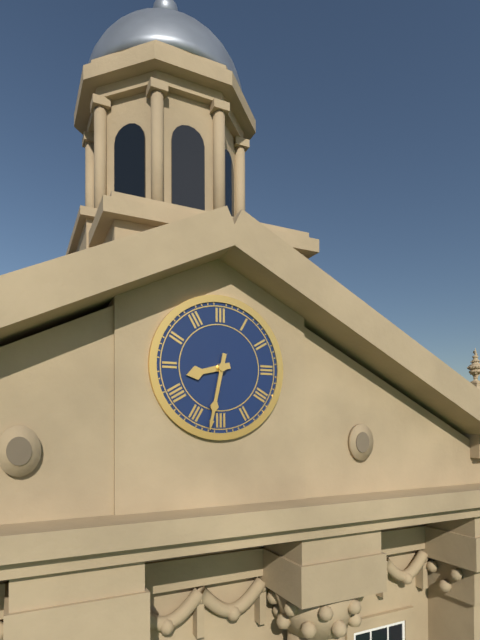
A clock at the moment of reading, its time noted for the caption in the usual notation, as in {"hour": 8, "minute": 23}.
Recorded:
{"hour": 8, "minute": 32}
